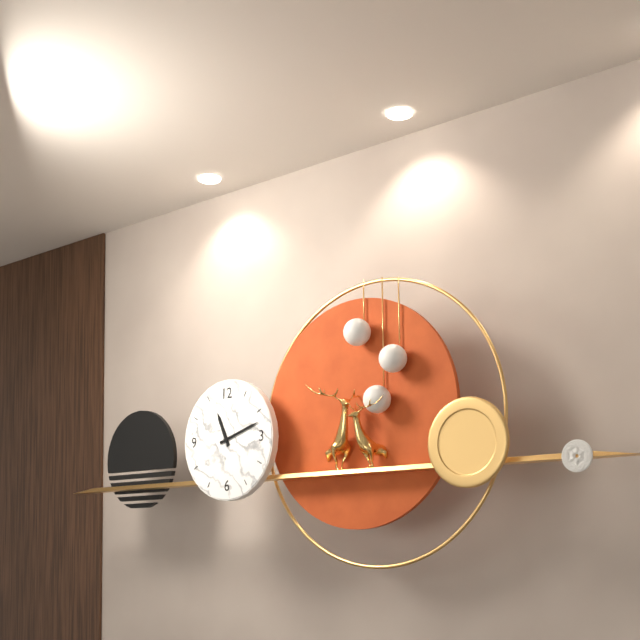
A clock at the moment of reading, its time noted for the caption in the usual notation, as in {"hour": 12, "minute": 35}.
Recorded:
{"hour": 11, "minute": 12}
